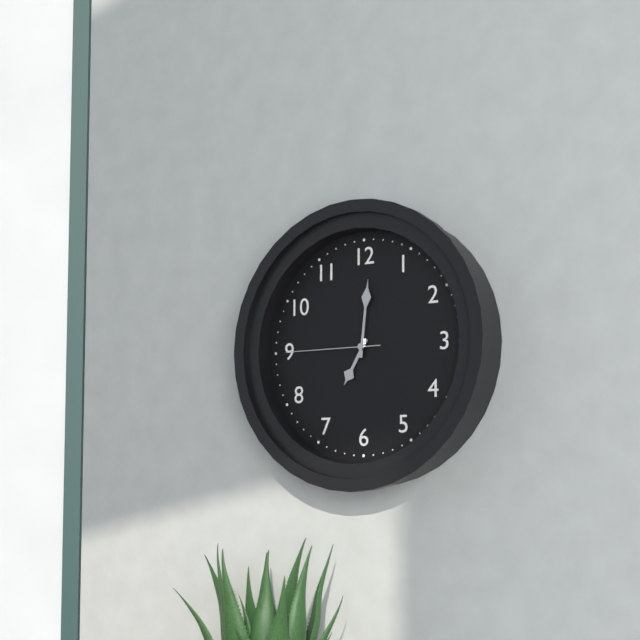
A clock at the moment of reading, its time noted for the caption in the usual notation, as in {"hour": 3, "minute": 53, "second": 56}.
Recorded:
{"hour": 7, "minute": 1, "second": 45}
